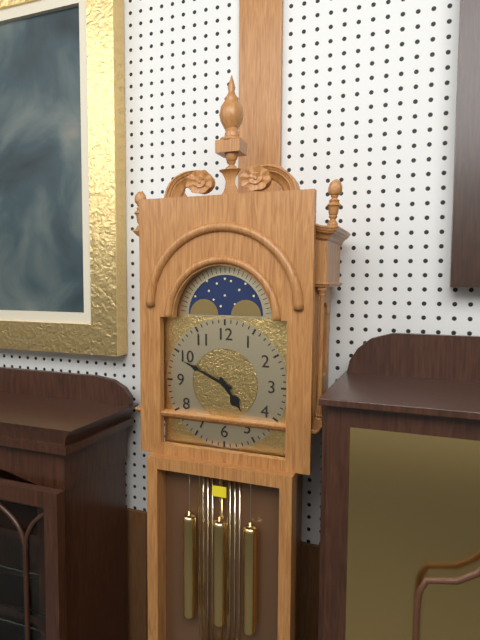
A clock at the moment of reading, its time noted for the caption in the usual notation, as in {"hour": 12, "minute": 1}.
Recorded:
{"hour": 4, "minute": 49}
